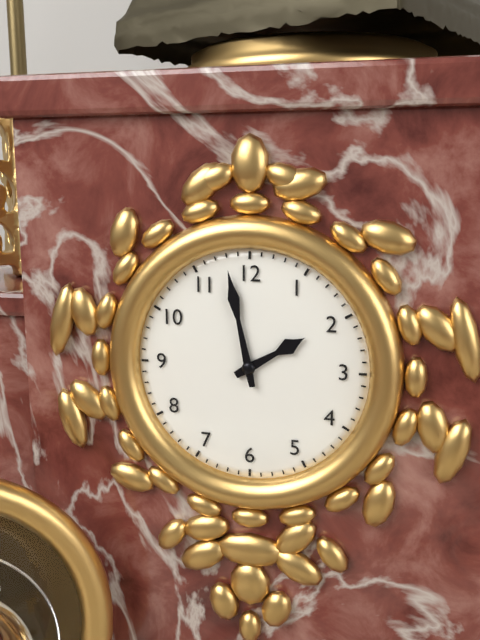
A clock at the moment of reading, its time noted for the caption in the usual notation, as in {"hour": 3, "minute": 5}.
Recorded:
{"hour": 1, "minute": 58}
